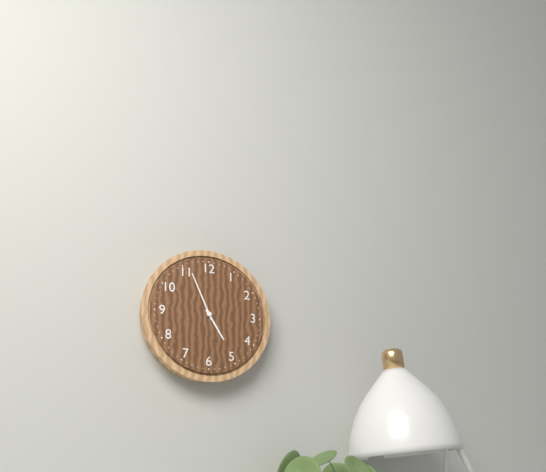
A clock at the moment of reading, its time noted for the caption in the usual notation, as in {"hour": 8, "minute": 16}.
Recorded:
{"hour": 4, "minute": 56}
